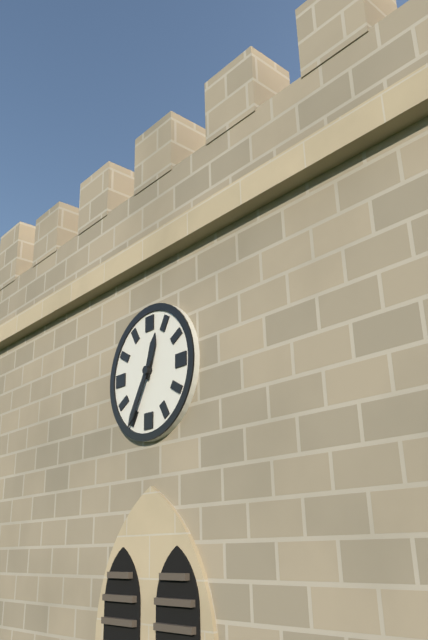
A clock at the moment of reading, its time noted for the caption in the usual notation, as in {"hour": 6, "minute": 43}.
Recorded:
{"hour": 12, "minute": 35}
